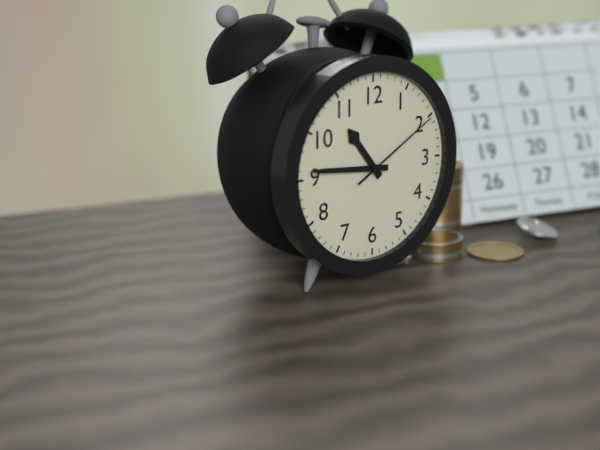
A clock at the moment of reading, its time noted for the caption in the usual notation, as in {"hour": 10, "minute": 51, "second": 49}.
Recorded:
{"hour": 10, "minute": 46, "second": 10}
